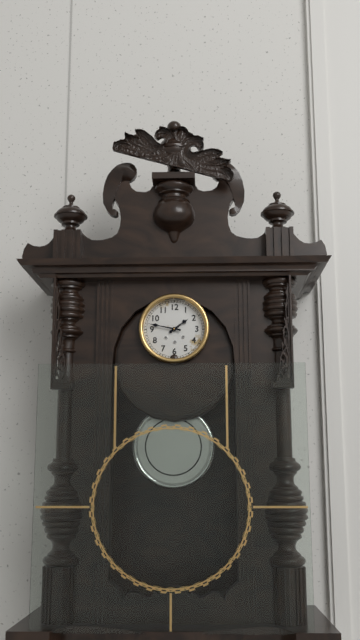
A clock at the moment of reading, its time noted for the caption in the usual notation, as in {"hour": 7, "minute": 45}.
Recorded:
{"hour": 1, "minute": 47}
